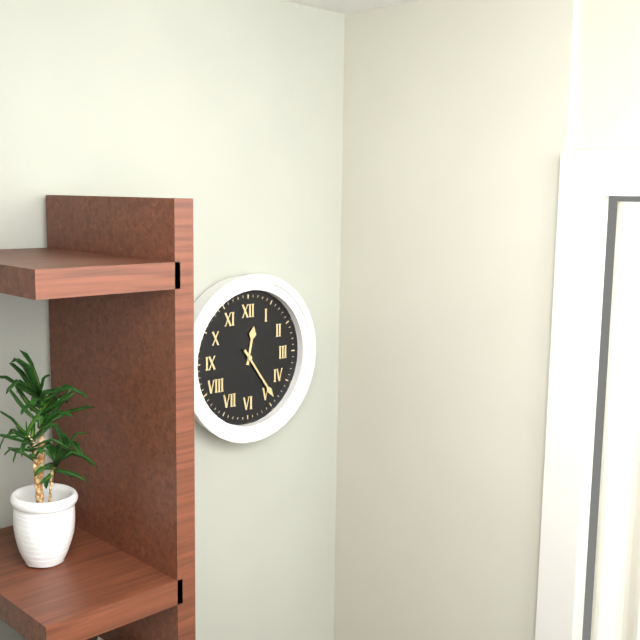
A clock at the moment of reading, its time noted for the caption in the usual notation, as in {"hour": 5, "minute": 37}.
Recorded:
{"hour": 12, "minute": 24}
